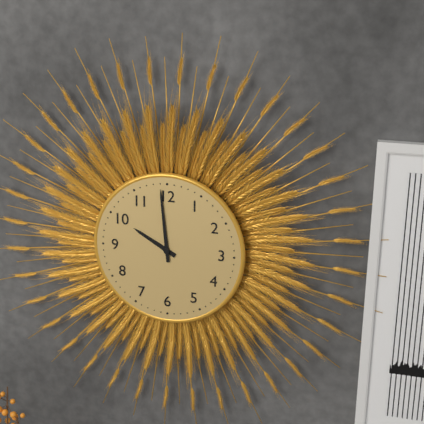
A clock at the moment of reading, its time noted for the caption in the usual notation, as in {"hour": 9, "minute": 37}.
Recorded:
{"hour": 9, "minute": 59}
